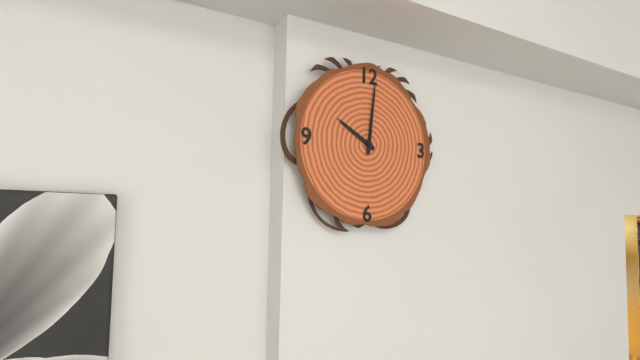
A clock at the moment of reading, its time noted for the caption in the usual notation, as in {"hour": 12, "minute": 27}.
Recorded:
{"hour": 10, "minute": 1}
